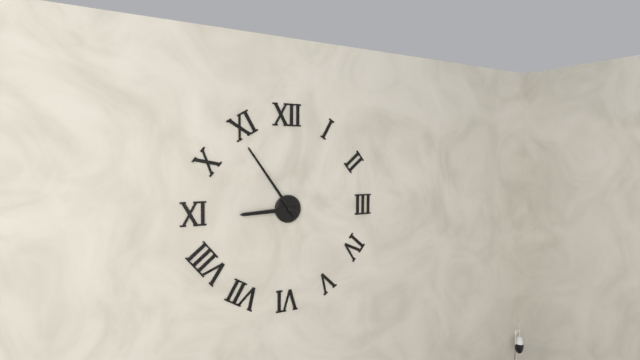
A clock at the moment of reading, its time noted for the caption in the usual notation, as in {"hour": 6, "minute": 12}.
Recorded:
{"hour": 8, "minute": 54}
